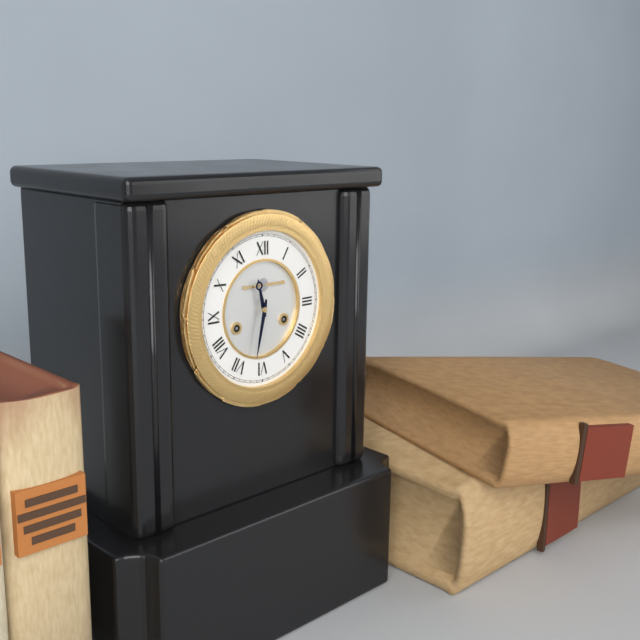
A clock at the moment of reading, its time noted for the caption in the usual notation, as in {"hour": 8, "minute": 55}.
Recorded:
{"hour": 11, "minute": 32}
